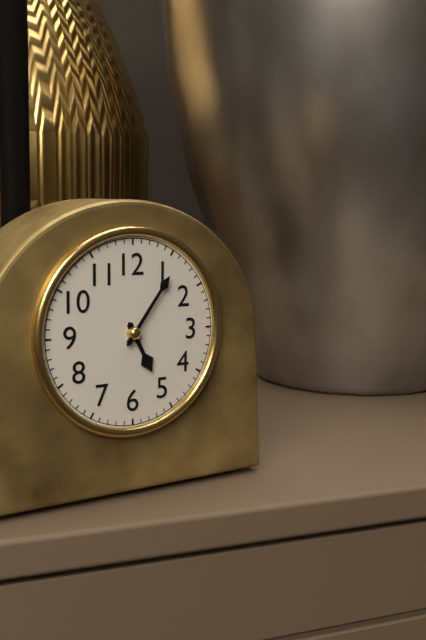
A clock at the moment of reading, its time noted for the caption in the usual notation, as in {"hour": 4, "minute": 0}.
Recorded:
{"hour": 5, "minute": 6}
